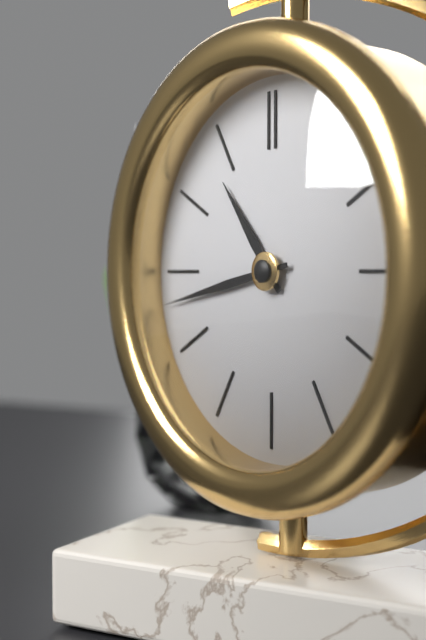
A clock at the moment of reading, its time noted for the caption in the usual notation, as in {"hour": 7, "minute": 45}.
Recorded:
{"hour": 10, "minute": 43}
